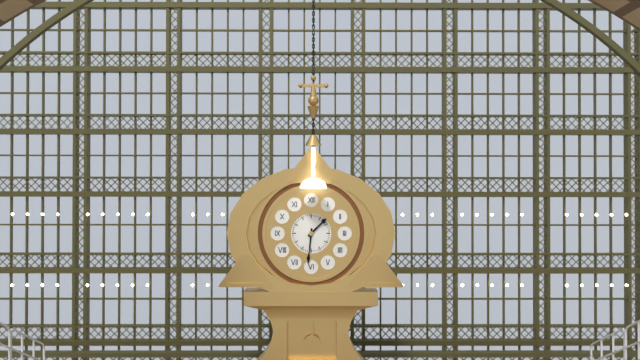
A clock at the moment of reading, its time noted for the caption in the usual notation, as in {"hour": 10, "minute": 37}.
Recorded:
{"hour": 1, "minute": 31}
